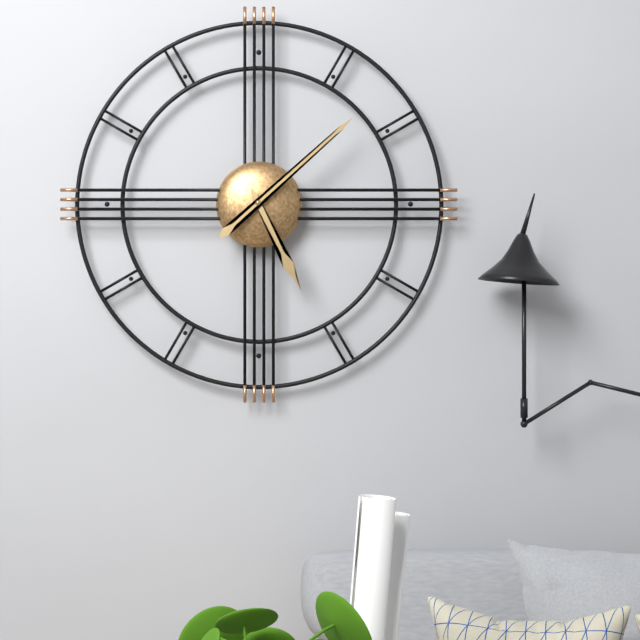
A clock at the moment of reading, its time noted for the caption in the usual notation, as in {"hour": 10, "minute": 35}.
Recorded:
{"hour": 5, "minute": 8}
